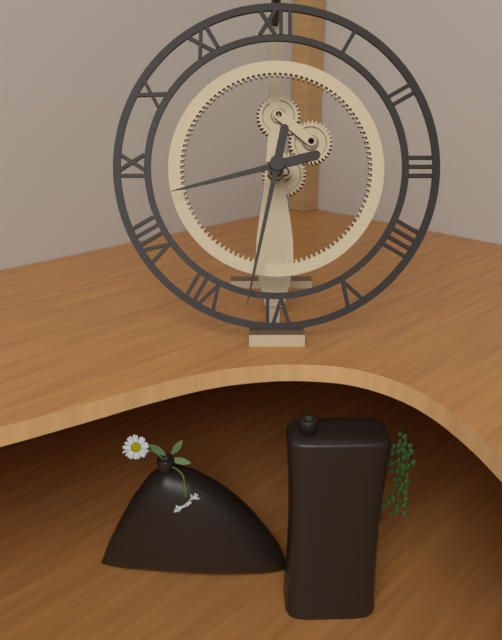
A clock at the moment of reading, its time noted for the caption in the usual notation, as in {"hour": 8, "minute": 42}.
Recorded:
{"hour": 8, "minute": 32}
